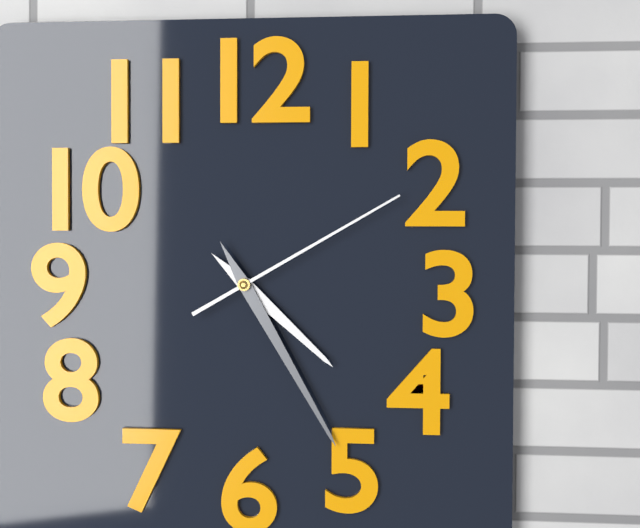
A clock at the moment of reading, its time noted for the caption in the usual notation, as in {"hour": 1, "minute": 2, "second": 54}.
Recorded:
{"hour": 4, "minute": 25, "second": 10}
